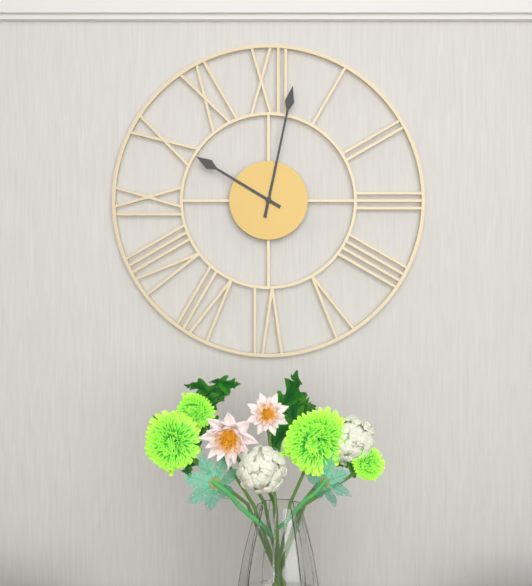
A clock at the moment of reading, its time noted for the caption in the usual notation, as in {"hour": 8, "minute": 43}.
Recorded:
{"hour": 10, "minute": 2}
